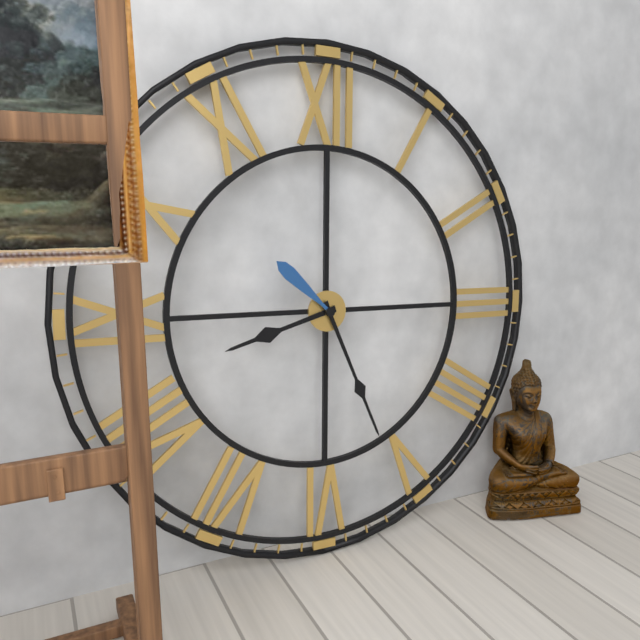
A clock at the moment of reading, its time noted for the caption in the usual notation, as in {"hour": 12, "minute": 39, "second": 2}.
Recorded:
{"hour": 8, "minute": 26, "second": 52}
